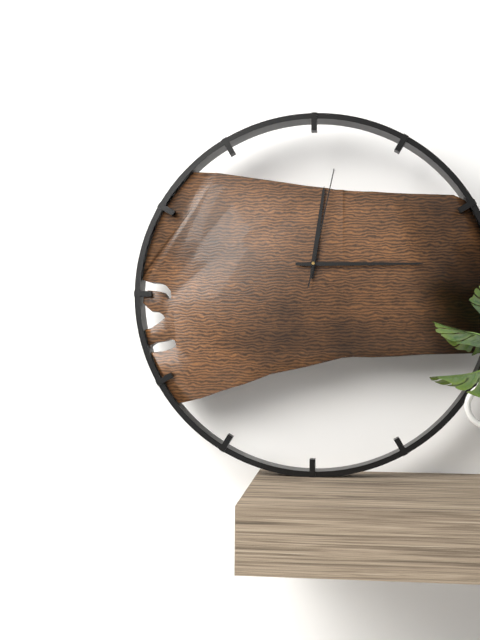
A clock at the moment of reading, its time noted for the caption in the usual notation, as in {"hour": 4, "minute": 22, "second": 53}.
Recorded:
{"hour": 12, "minute": 15, "second": 2}
